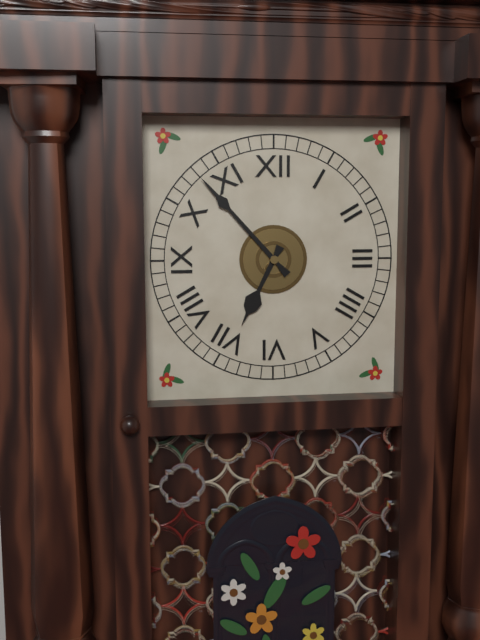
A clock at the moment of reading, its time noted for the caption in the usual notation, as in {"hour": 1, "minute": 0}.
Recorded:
{"hour": 6, "minute": 53}
